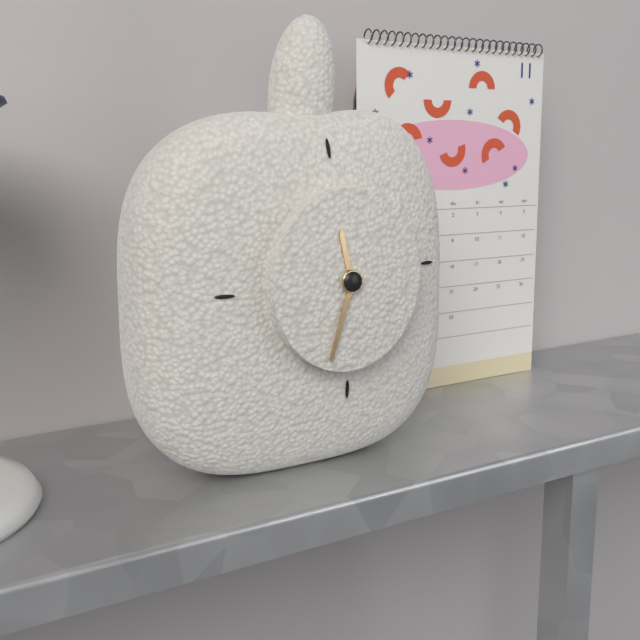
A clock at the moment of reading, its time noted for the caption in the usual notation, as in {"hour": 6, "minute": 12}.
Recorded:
{"hour": 11, "minute": 33}
